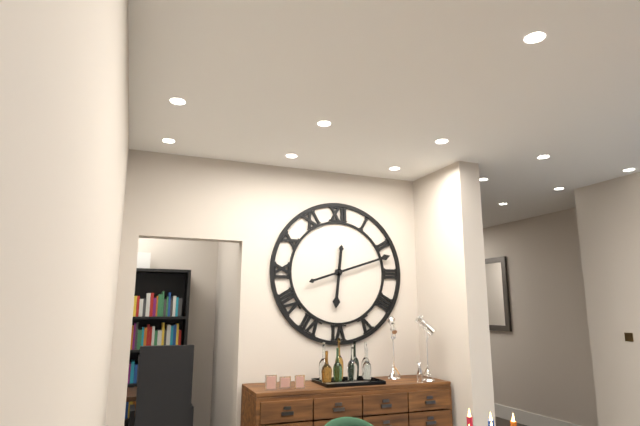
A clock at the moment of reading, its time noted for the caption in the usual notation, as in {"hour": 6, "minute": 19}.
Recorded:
{"hour": 6, "minute": 12}
